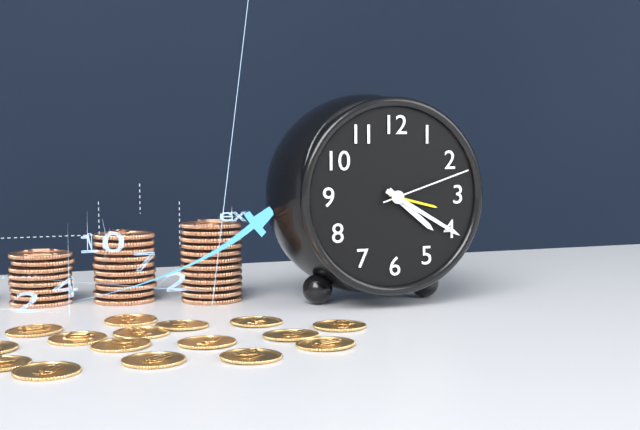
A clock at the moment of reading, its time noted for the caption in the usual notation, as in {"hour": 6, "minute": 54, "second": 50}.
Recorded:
{"hour": 4, "minute": 20, "second": 12}
